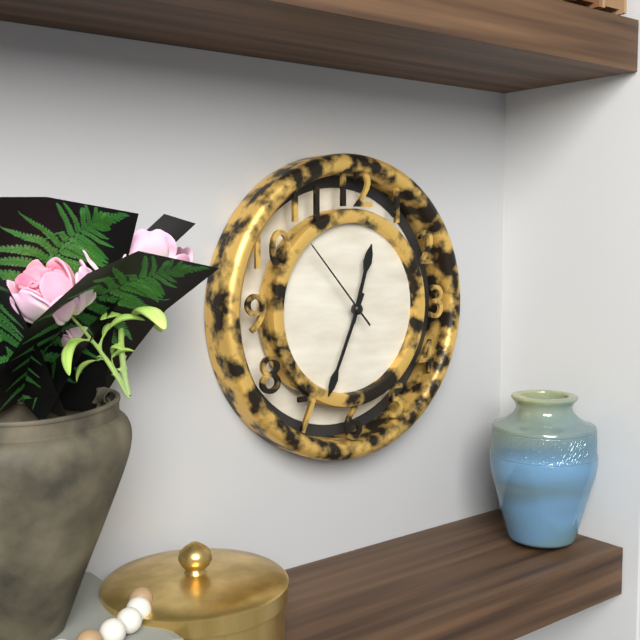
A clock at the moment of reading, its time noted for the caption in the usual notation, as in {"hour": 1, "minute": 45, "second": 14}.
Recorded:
{"hour": 12, "minute": 34, "second": 53}
